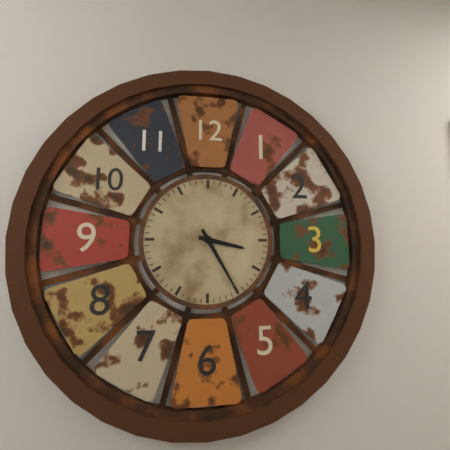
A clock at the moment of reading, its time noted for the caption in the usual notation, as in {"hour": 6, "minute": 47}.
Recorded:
{"hour": 3, "minute": 25}
